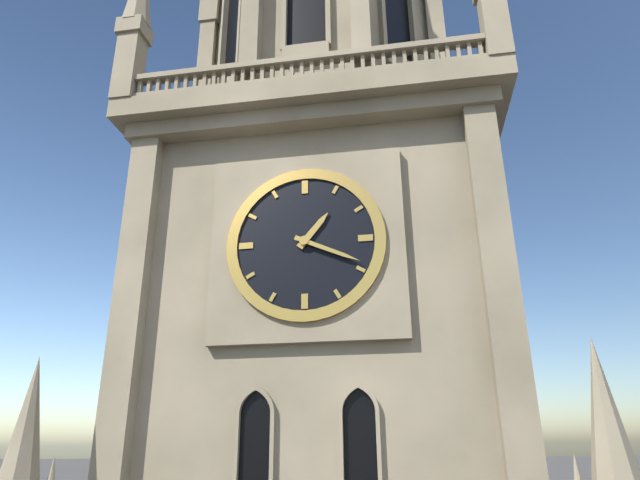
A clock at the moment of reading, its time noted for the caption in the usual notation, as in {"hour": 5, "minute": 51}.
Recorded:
{"hour": 1, "minute": 19}
